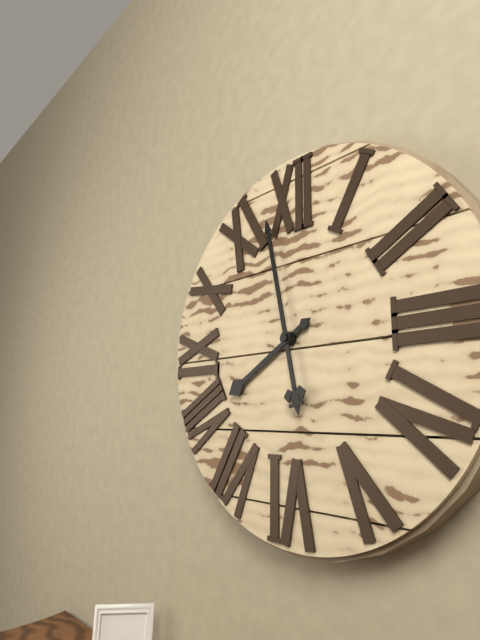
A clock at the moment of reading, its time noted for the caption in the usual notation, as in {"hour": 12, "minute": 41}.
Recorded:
{"hour": 7, "minute": 58}
